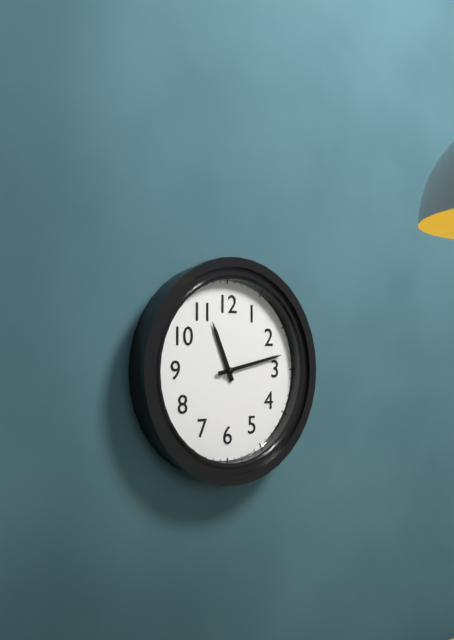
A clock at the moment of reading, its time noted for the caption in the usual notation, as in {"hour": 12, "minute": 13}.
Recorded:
{"hour": 11, "minute": 13}
